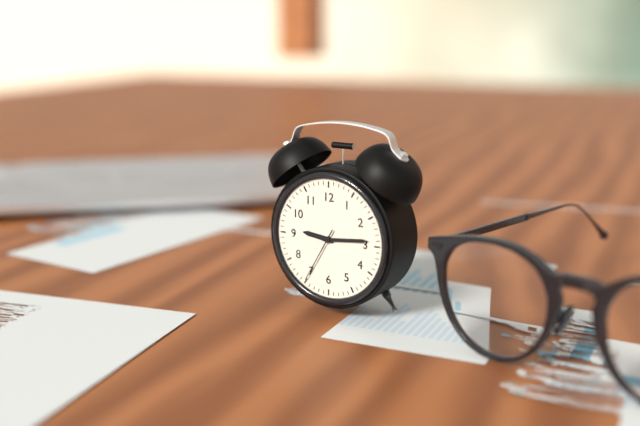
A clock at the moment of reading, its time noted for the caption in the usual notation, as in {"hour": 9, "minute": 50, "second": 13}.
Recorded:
{"hour": 9, "minute": 14, "second": 35}
